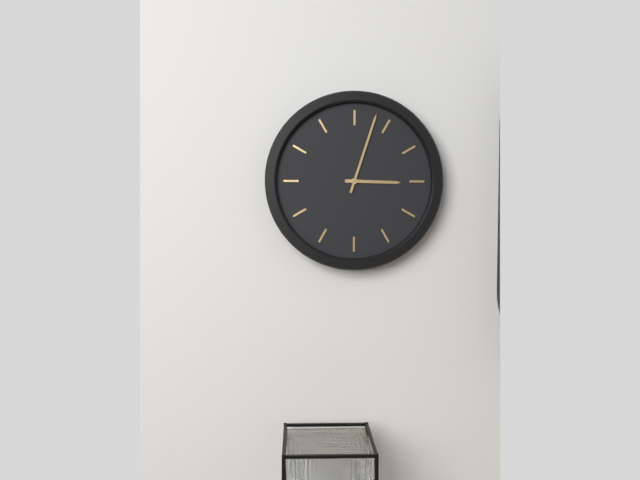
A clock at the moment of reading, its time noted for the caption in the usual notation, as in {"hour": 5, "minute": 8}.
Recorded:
{"hour": 3, "minute": 3}
